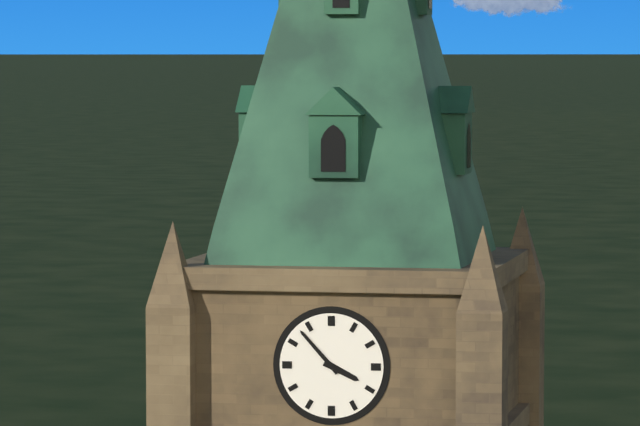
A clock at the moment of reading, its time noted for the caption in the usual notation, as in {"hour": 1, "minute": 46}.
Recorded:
{"hour": 3, "minute": 53}
